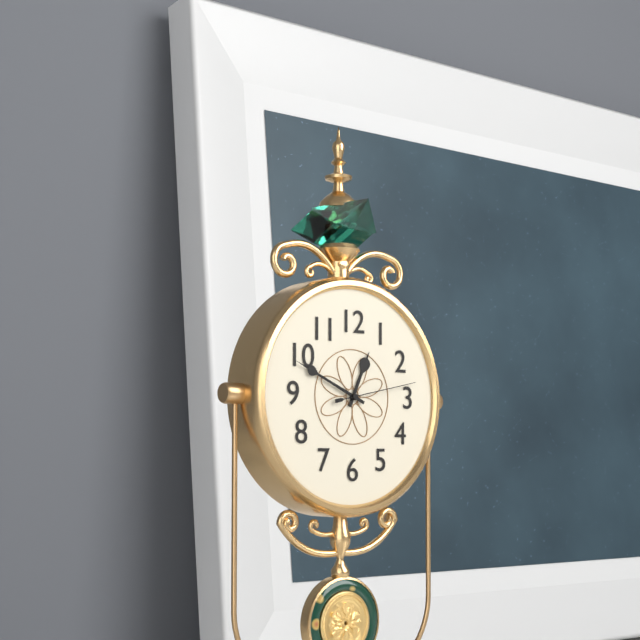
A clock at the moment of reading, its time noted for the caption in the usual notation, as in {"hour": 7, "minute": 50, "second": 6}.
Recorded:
{"hour": 12, "minute": 49, "second": 13}
